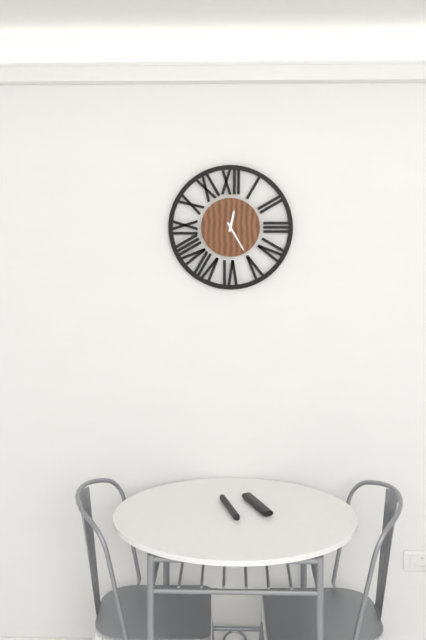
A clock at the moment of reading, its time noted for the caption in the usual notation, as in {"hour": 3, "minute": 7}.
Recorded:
{"hour": 12, "minute": 25}
